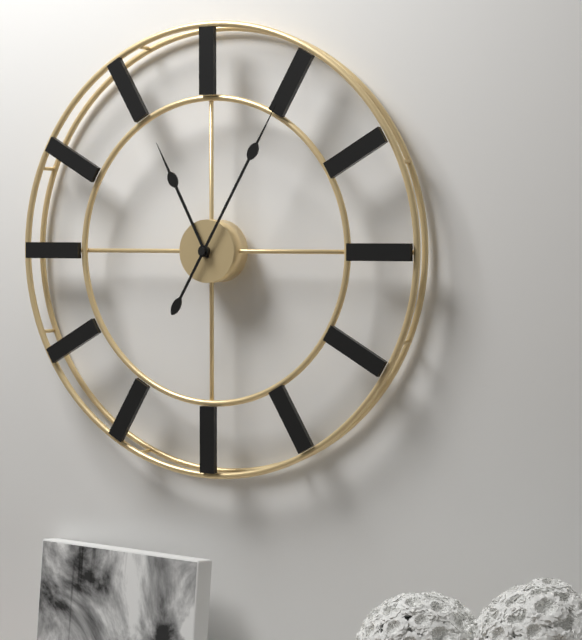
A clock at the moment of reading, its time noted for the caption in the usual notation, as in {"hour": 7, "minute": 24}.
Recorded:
{"hour": 11, "minute": 5}
